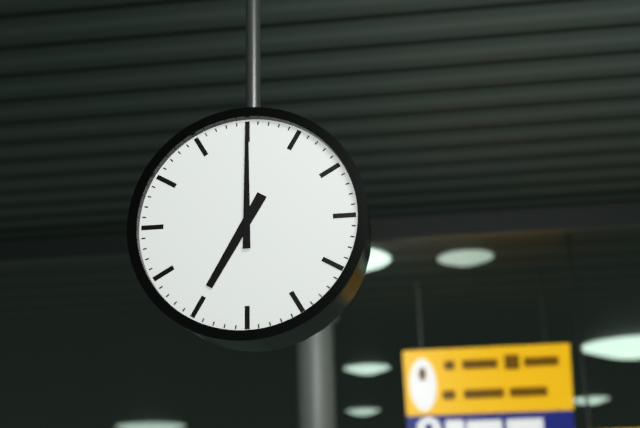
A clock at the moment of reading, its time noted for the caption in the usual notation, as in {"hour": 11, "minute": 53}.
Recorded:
{"hour": 7, "minute": 0}
